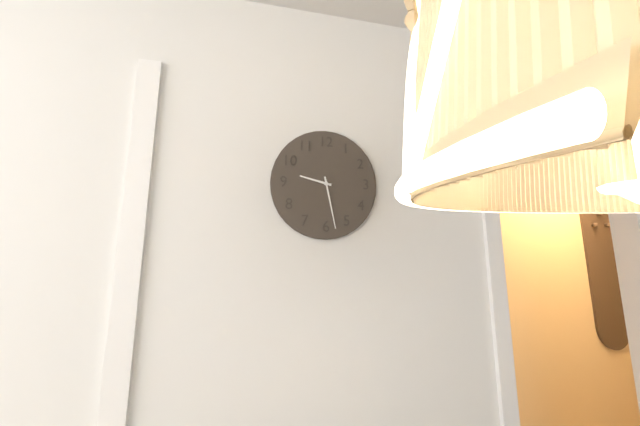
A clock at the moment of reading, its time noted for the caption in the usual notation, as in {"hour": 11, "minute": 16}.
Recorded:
{"hour": 9, "minute": 28}
